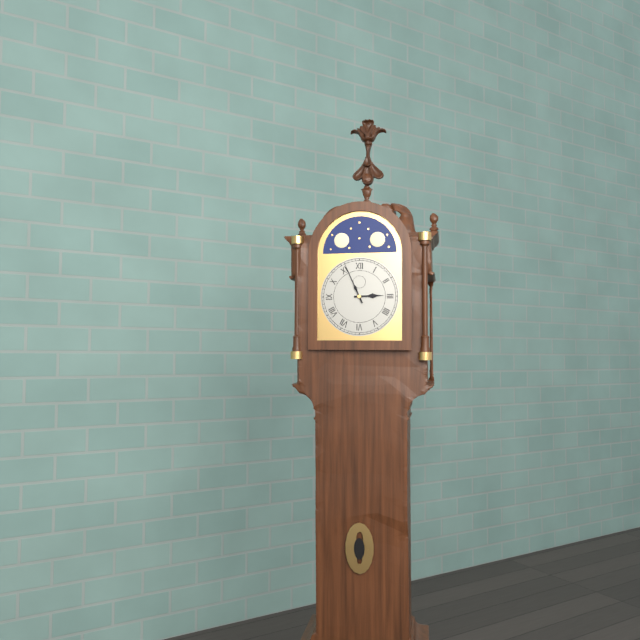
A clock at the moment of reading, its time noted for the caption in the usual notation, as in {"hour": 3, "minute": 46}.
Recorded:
{"hour": 2, "minute": 56}
